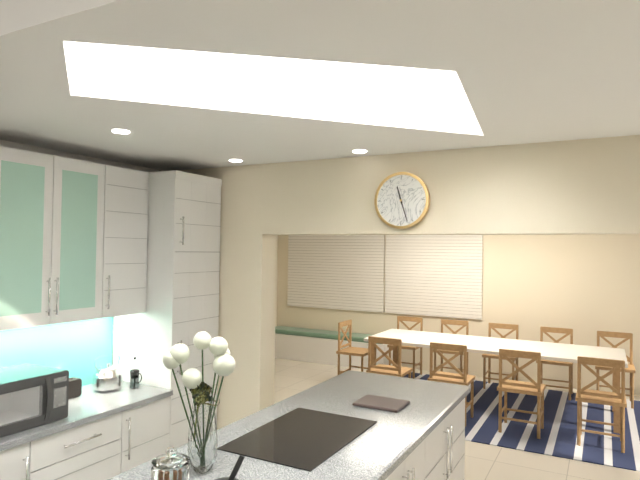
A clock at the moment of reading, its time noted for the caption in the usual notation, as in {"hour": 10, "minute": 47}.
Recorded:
{"hour": 11, "minute": 27}
